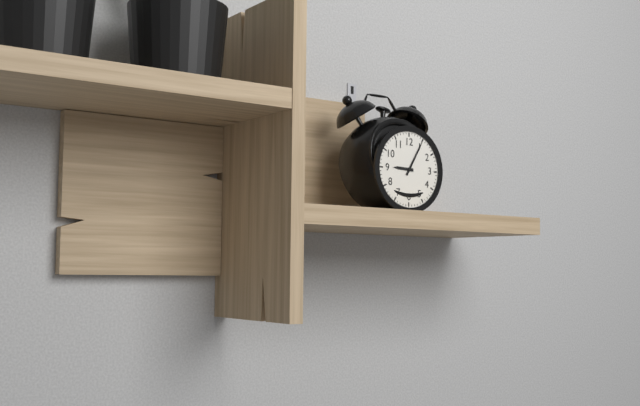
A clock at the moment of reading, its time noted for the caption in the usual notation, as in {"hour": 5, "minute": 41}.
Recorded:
{"hour": 9, "minute": 5}
